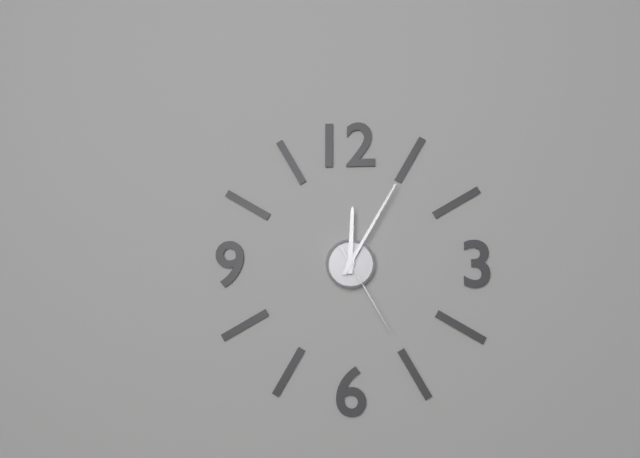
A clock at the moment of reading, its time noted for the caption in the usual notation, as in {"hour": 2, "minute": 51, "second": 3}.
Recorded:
{"hour": 12, "minute": 5, "second": 25}
